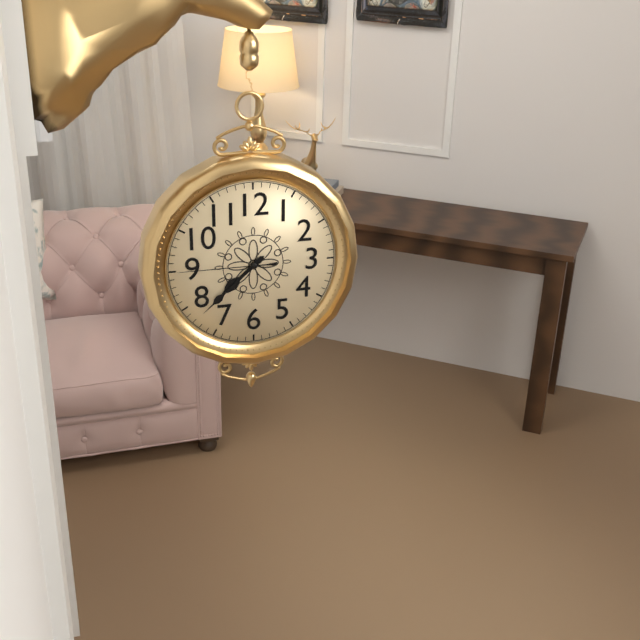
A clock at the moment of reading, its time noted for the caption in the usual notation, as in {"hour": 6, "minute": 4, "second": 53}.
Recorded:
{"hour": 7, "minute": 38, "second": 45}
